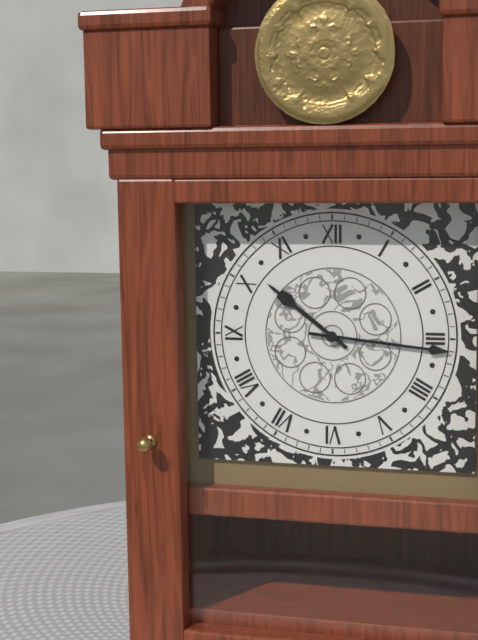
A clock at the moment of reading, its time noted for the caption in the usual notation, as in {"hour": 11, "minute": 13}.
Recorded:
{"hour": 10, "minute": 16}
